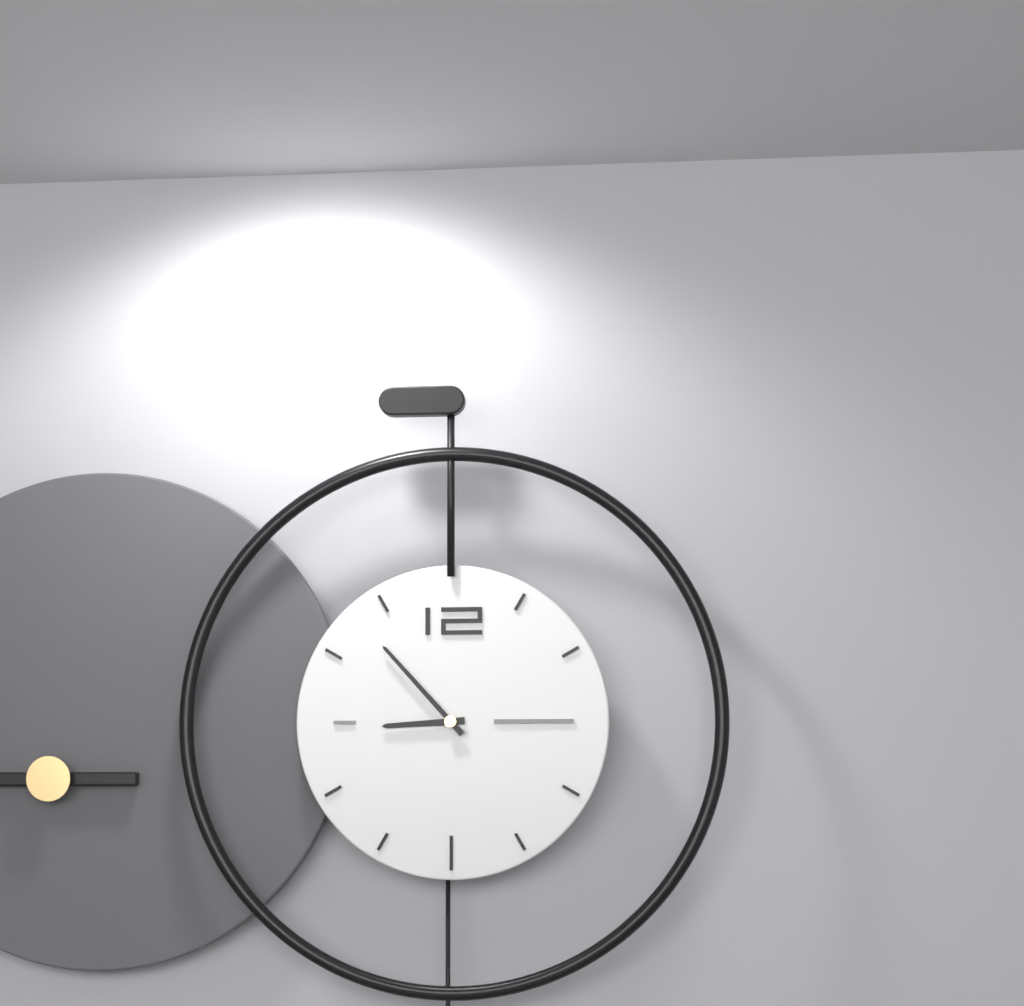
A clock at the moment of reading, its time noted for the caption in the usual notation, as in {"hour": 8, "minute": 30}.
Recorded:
{"hour": 8, "minute": 53}
